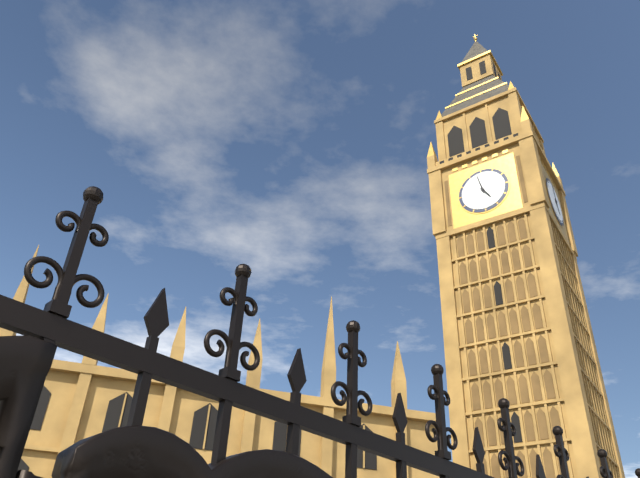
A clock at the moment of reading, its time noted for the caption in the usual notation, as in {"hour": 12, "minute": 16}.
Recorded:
{"hour": 4, "minute": 58}
